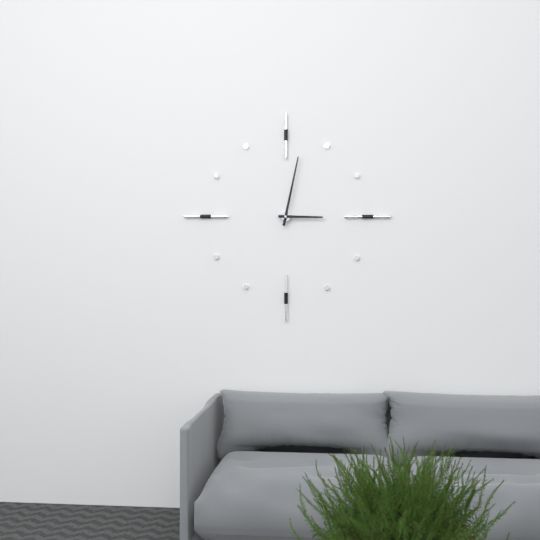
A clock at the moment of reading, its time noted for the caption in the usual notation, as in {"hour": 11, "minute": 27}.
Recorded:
{"hour": 3, "minute": 2}
